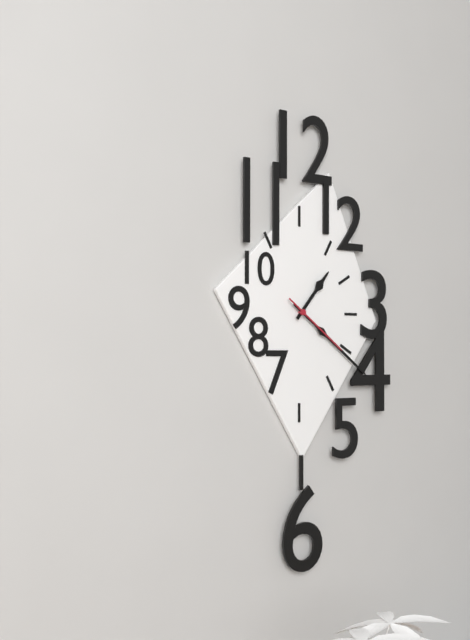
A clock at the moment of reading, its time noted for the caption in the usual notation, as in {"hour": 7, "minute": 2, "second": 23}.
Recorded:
{"hour": 1, "minute": 21, "second": 21}
